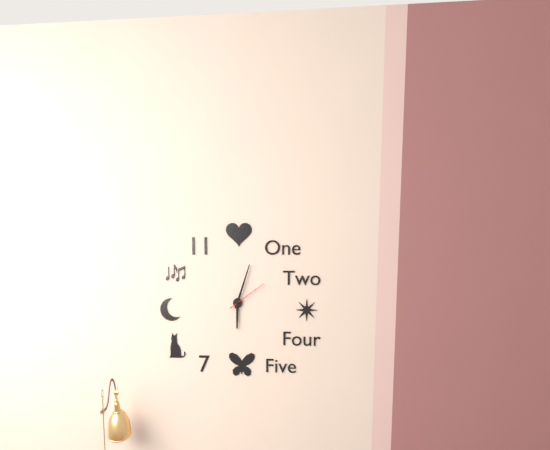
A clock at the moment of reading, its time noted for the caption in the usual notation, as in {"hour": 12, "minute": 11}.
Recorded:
{"hour": 6, "minute": 3}
